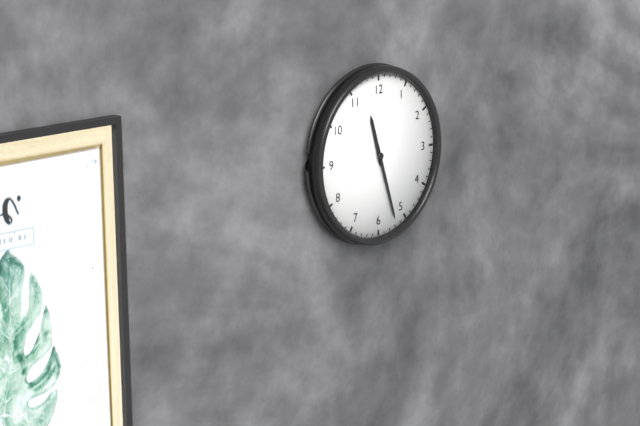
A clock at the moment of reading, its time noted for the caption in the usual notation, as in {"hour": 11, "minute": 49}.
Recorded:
{"hour": 11, "minute": 27}
